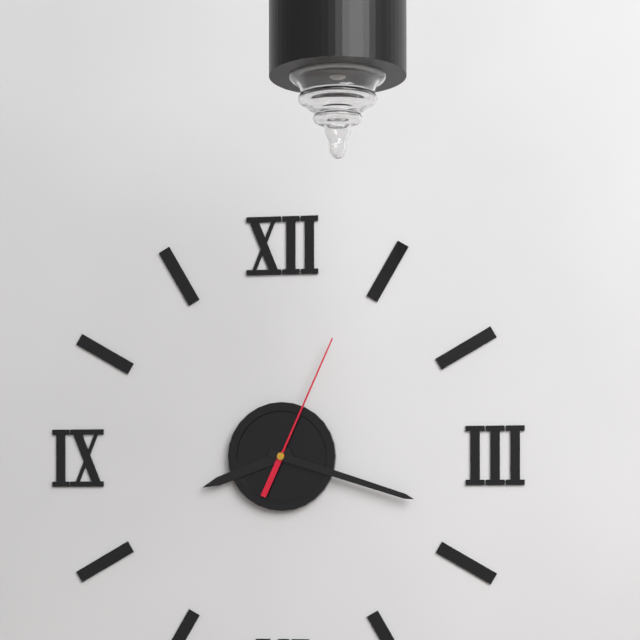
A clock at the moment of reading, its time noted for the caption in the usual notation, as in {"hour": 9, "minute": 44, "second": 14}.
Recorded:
{"hour": 8, "minute": 18, "second": 4}
